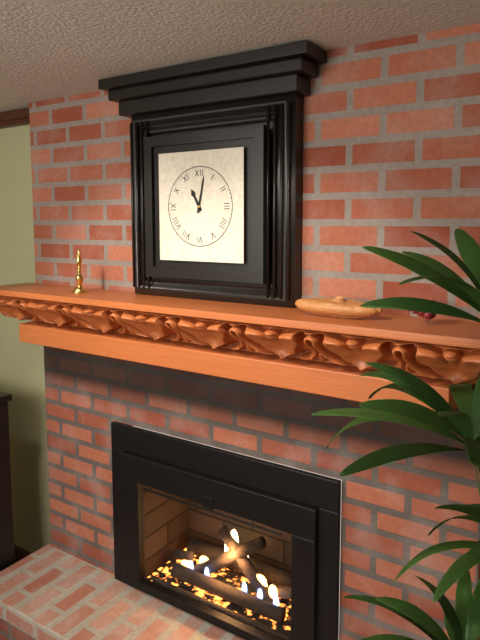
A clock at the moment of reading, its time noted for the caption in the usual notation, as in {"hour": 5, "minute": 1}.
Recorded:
{"hour": 11, "minute": 2}
